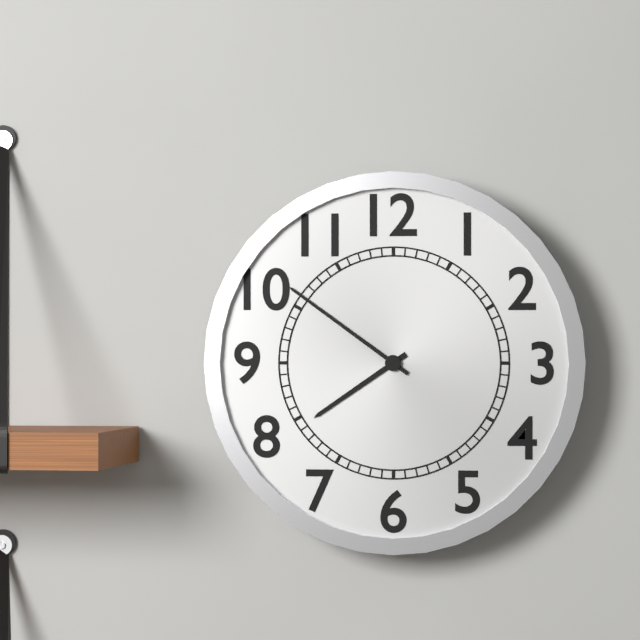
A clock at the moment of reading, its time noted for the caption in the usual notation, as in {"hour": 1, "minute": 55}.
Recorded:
{"hour": 7, "minute": 51}
